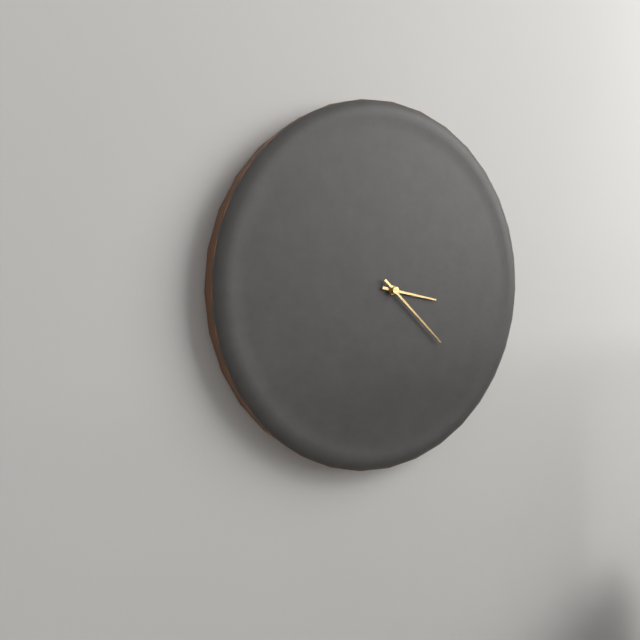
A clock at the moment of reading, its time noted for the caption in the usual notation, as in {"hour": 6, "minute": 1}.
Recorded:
{"hour": 3, "minute": 22}
